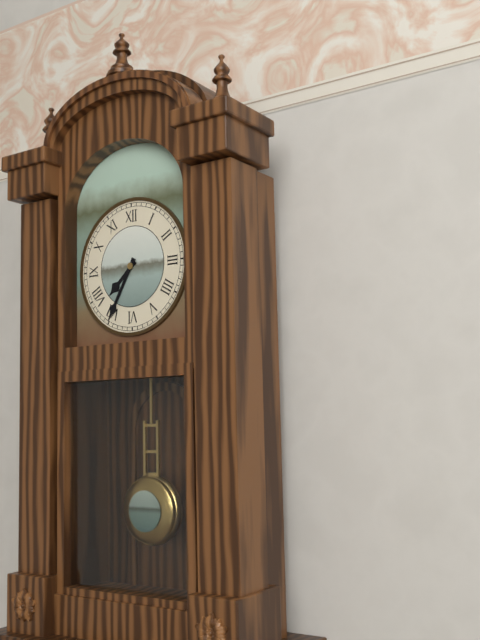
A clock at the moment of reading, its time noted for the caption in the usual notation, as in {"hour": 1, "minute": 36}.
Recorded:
{"hour": 7, "minute": 35}
